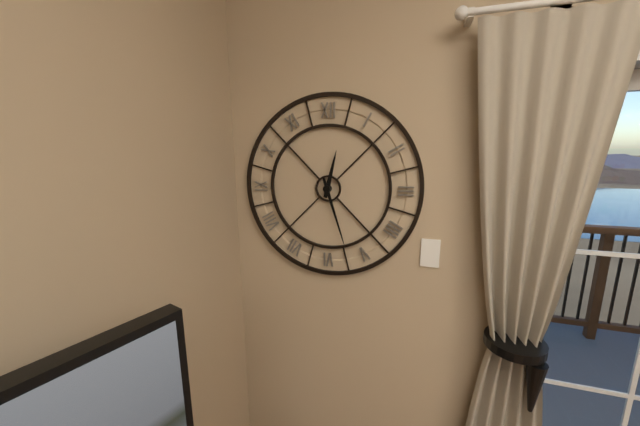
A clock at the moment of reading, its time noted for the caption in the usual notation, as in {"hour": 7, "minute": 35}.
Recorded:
{"hour": 12, "minute": 27}
